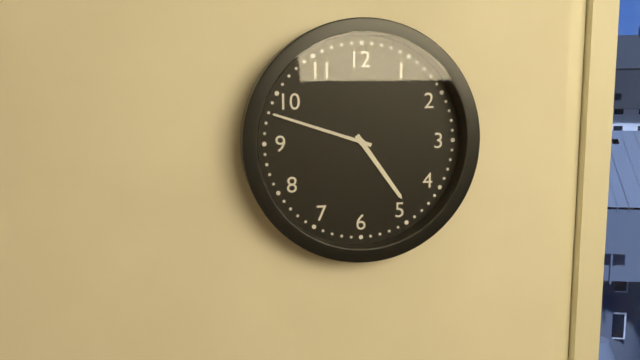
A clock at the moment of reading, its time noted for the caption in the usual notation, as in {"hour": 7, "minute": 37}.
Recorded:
{"hour": 4, "minute": 48}
